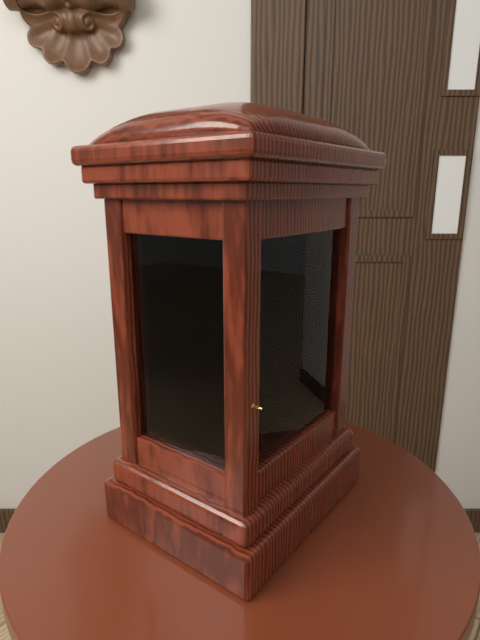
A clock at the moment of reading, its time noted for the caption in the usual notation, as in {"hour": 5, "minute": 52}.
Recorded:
{"hour": 11, "minute": 15}
